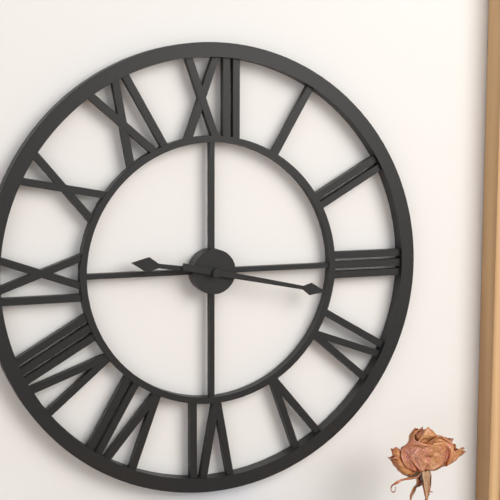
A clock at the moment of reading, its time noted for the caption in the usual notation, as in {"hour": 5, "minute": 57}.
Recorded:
{"hour": 9, "minute": 17}
